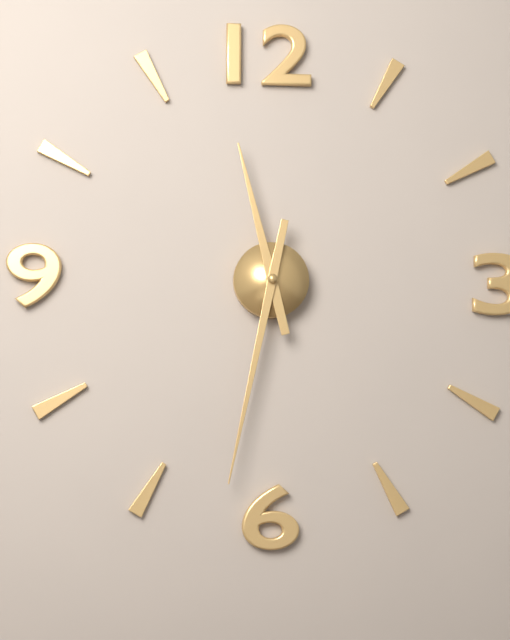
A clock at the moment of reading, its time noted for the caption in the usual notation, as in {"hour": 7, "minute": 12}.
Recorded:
{"hour": 11, "minute": 32}
